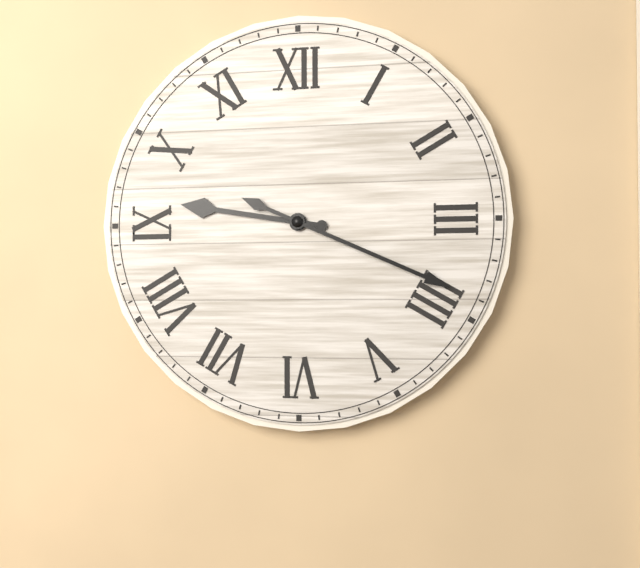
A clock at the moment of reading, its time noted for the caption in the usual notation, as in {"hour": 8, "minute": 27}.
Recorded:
{"hour": 9, "minute": 19}
